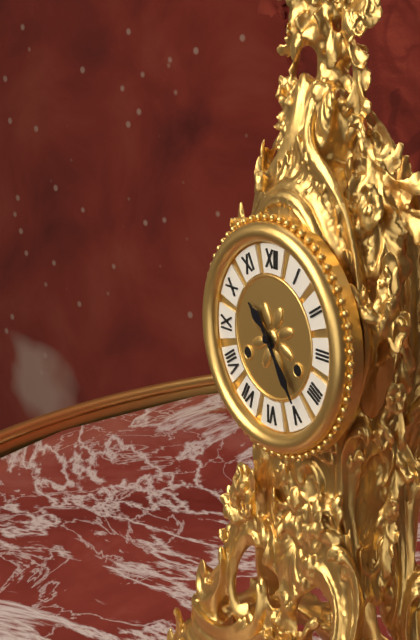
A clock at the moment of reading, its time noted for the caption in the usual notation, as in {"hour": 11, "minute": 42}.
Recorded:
{"hour": 10, "minute": 24}
